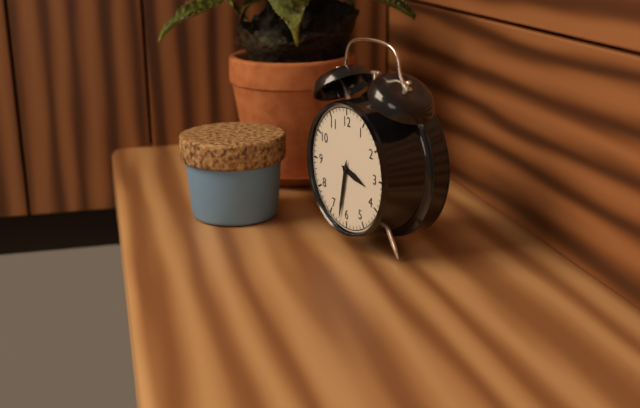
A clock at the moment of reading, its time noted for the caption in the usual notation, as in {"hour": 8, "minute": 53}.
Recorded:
{"hour": 3, "minute": 32}
